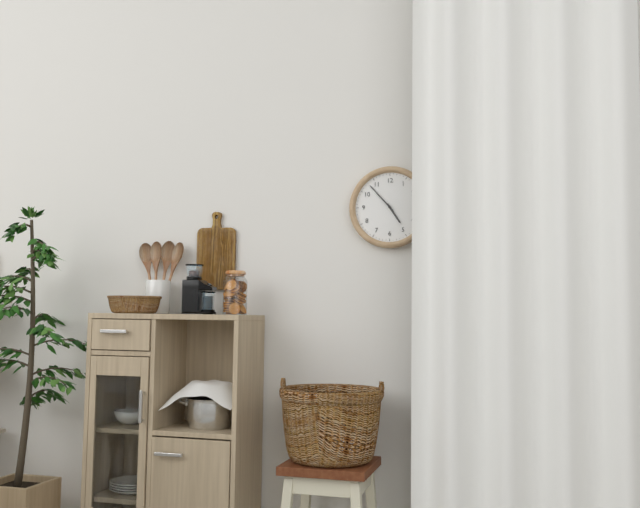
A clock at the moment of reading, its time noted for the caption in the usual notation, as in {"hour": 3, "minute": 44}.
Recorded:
{"hour": 4, "minute": 53}
